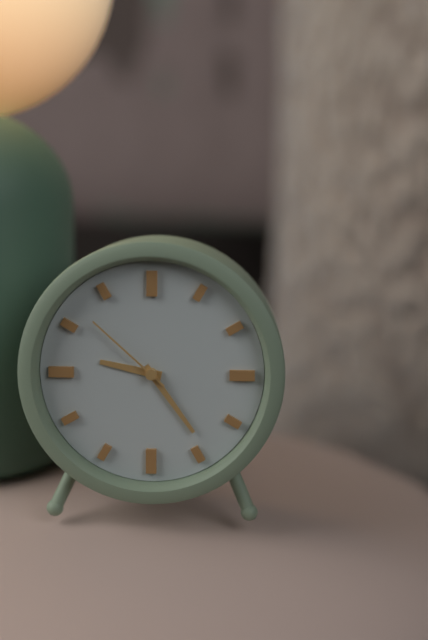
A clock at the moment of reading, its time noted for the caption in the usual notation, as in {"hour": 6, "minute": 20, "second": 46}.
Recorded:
{"hour": 9, "minute": 24, "second": 52}
